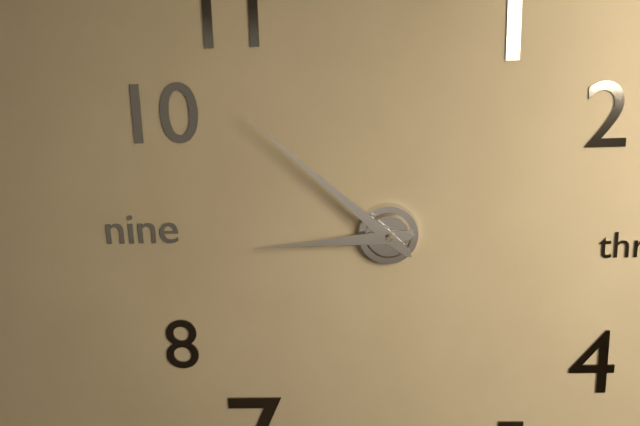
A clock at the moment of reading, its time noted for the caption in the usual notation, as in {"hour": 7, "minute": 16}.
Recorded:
{"hour": 8, "minute": 52}
